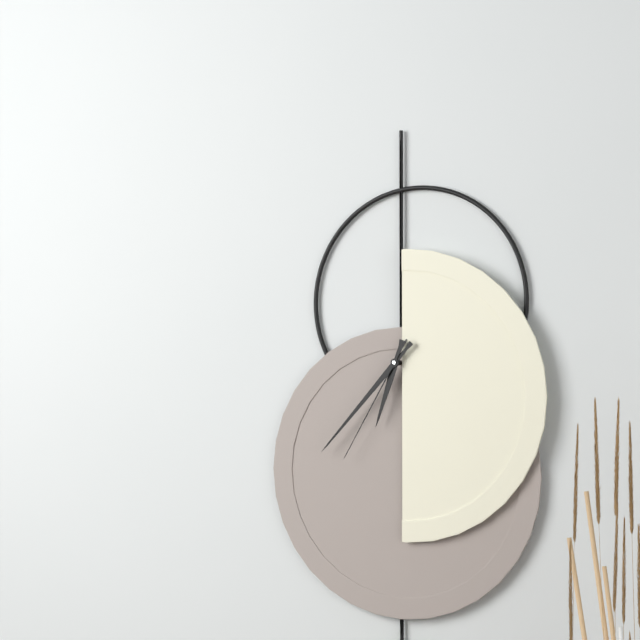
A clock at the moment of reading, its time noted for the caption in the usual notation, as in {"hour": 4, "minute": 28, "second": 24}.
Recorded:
{"hour": 6, "minute": 37, "second": 35}
